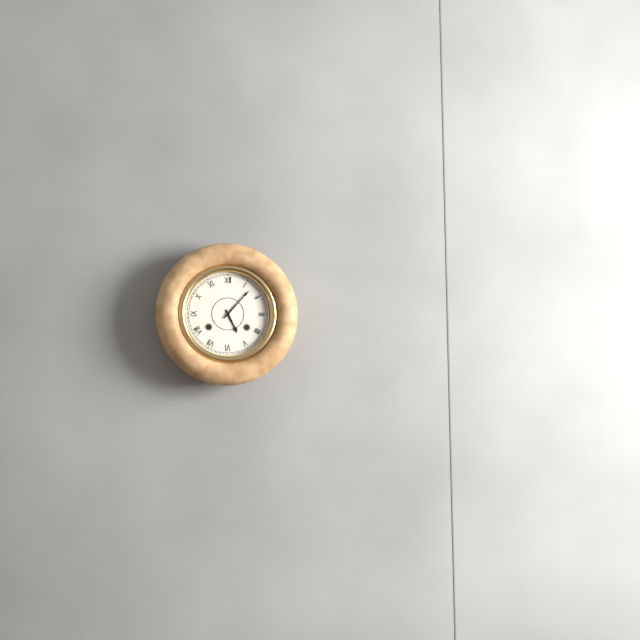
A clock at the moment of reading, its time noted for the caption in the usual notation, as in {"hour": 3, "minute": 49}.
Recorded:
{"hour": 5, "minute": 7}
